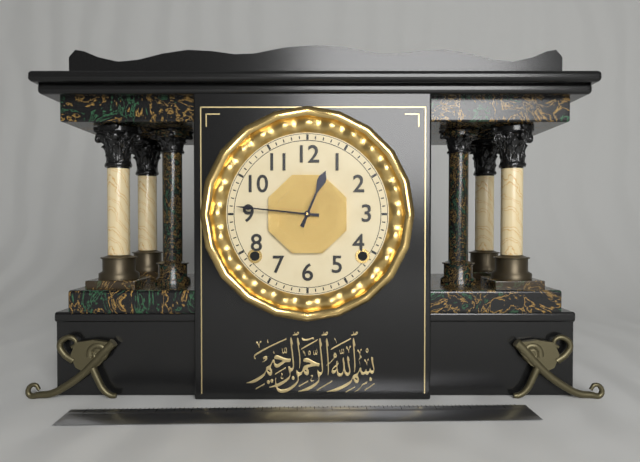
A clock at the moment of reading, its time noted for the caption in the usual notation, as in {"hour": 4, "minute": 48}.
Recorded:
{"hour": 12, "minute": 46}
